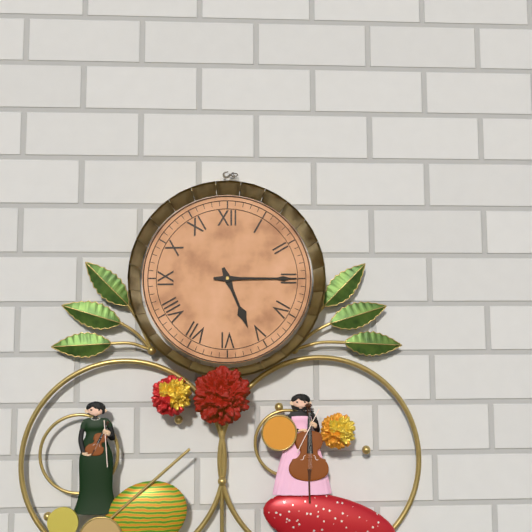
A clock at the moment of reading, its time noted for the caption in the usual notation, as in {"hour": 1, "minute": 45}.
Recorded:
{"hour": 5, "minute": 15}
